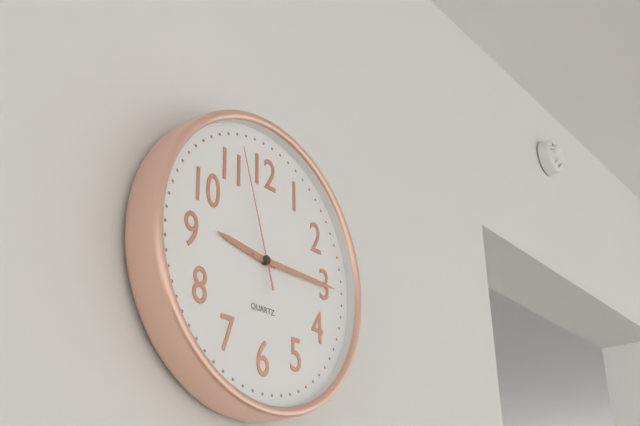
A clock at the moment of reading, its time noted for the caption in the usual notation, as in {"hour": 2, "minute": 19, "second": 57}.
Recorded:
{"hour": 9, "minute": 15, "second": 57}
